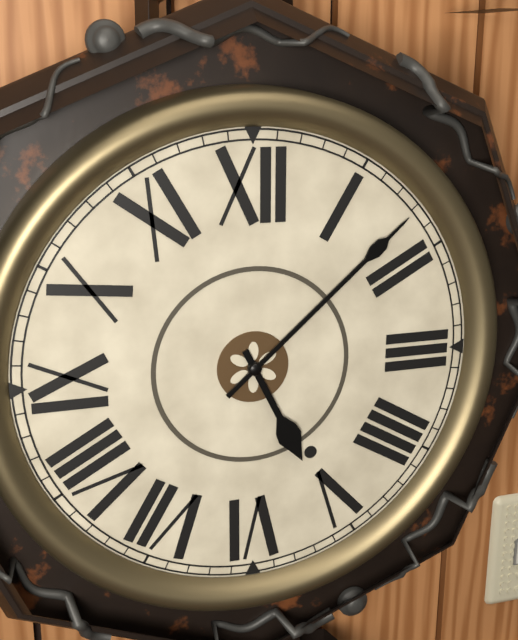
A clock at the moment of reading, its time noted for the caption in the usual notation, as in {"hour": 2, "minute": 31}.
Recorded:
{"hour": 5, "minute": 8}
